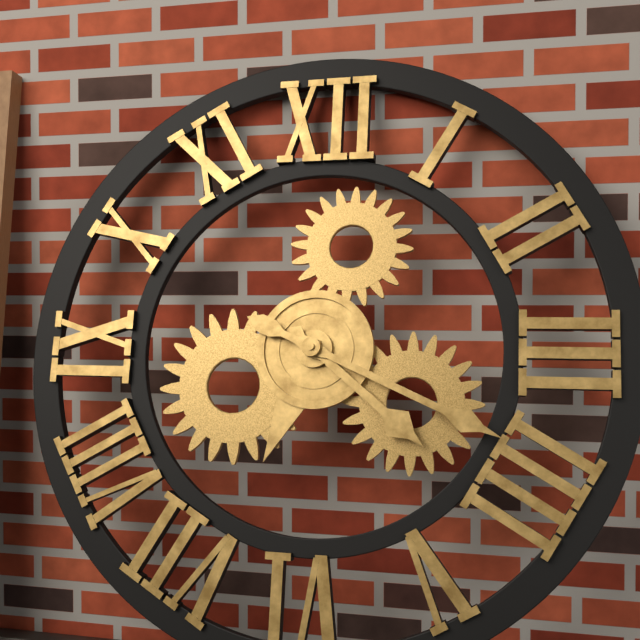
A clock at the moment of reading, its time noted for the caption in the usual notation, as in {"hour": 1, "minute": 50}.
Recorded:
{"hour": 4, "minute": 19}
